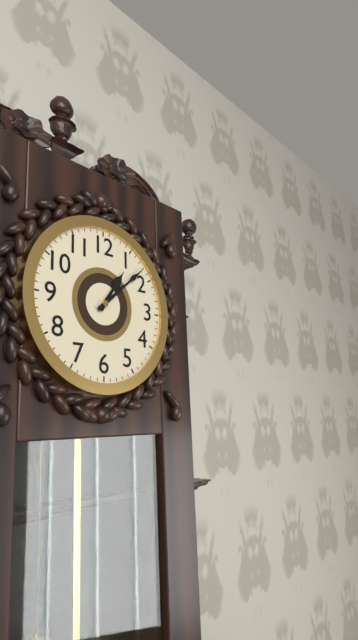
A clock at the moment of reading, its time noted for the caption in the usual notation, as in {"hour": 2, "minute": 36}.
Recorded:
{"hour": 1, "minute": 8}
